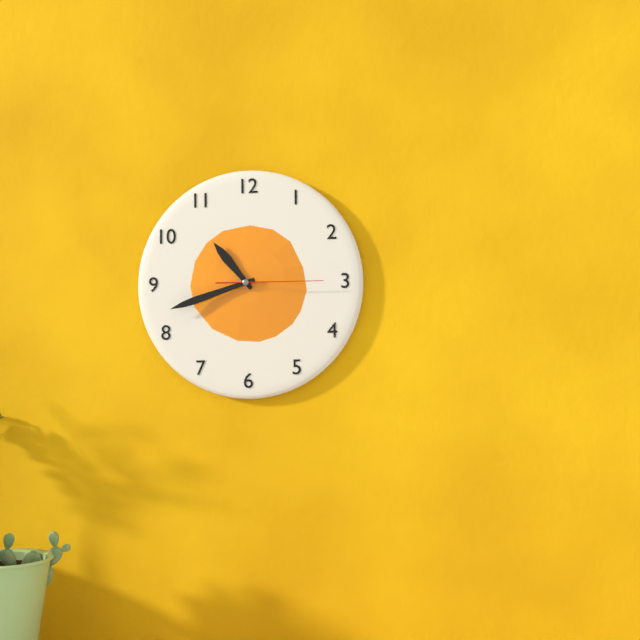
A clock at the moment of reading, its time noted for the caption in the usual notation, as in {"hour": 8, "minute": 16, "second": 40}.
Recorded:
{"hour": 10, "minute": 42, "second": 15}
